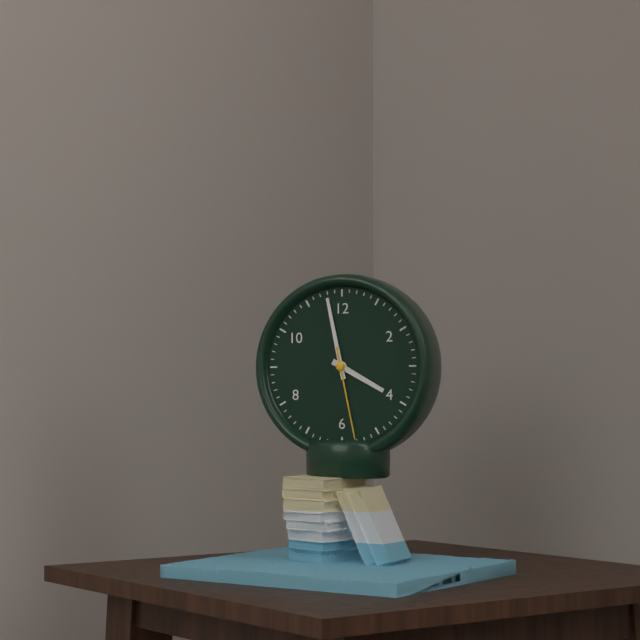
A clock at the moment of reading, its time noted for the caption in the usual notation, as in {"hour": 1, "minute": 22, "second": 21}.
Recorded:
{"hour": 3, "minute": 58, "second": 28}
